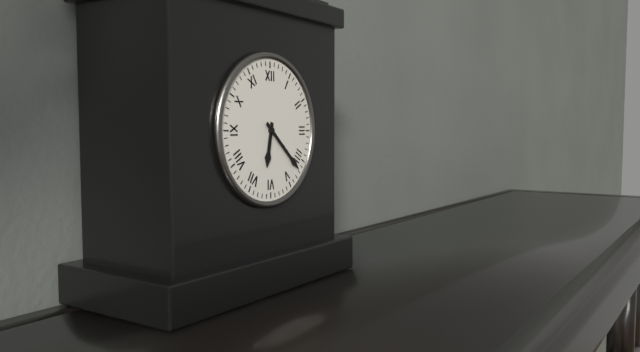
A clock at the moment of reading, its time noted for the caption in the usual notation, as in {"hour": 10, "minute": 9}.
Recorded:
{"hour": 6, "minute": 22}
